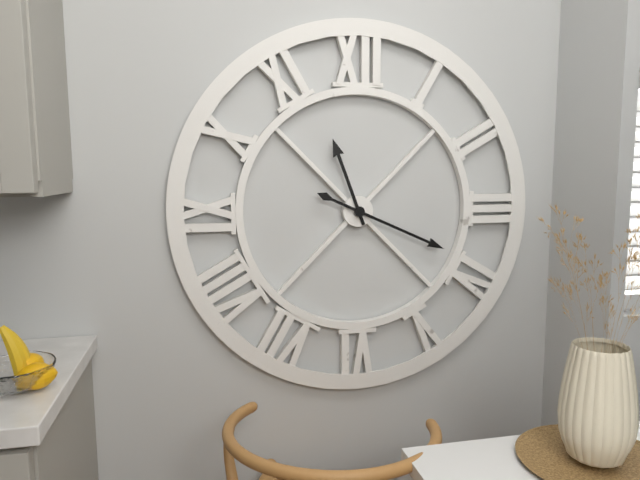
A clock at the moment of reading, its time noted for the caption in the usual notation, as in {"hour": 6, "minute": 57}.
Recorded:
{"hour": 11, "minute": 19}
